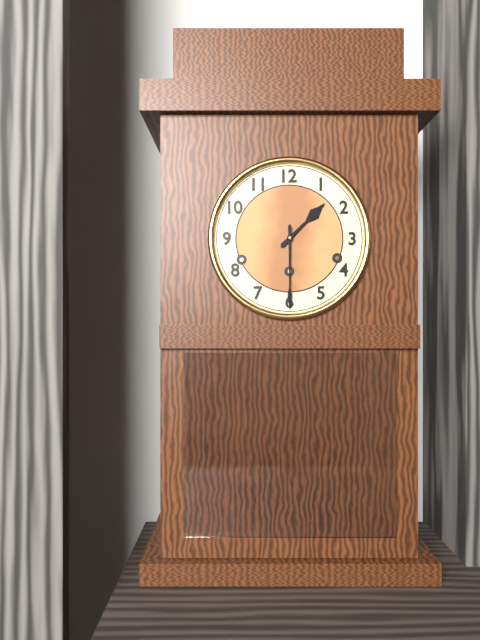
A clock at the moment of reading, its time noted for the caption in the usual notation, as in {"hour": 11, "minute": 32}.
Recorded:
{"hour": 1, "minute": 30}
